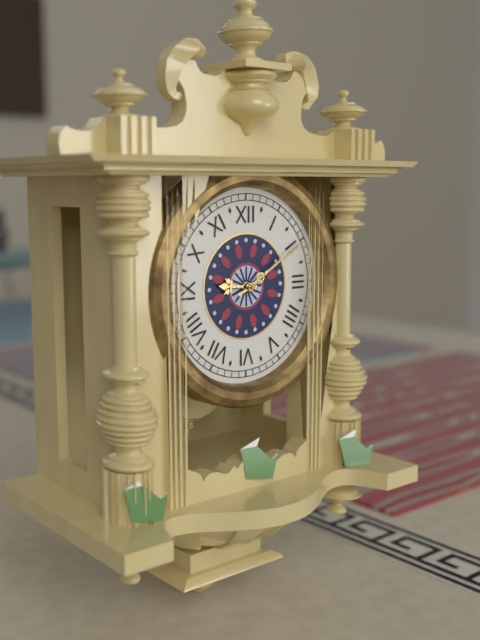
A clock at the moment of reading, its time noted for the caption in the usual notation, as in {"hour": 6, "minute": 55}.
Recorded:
{"hour": 9, "minute": 10}
